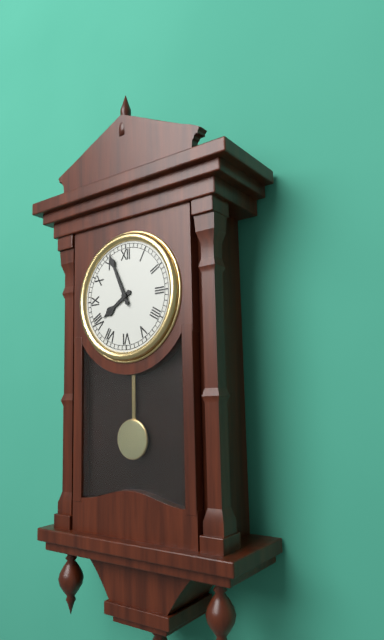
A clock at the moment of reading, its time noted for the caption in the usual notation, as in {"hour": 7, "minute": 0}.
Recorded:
{"hour": 7, "minute": 56}
